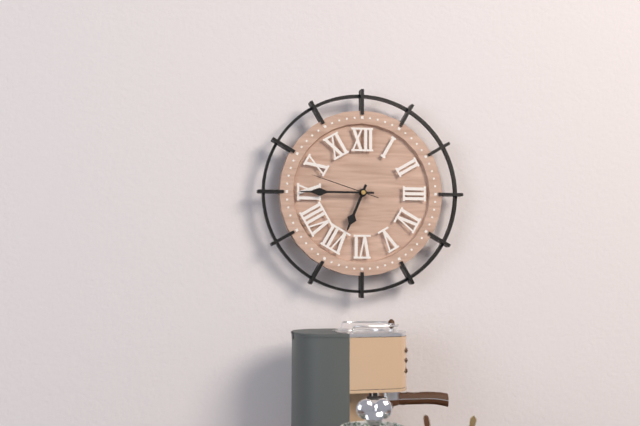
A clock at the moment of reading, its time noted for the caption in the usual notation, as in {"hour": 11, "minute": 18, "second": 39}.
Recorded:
{"hour": 6, "minute": 45, "second": 48}
